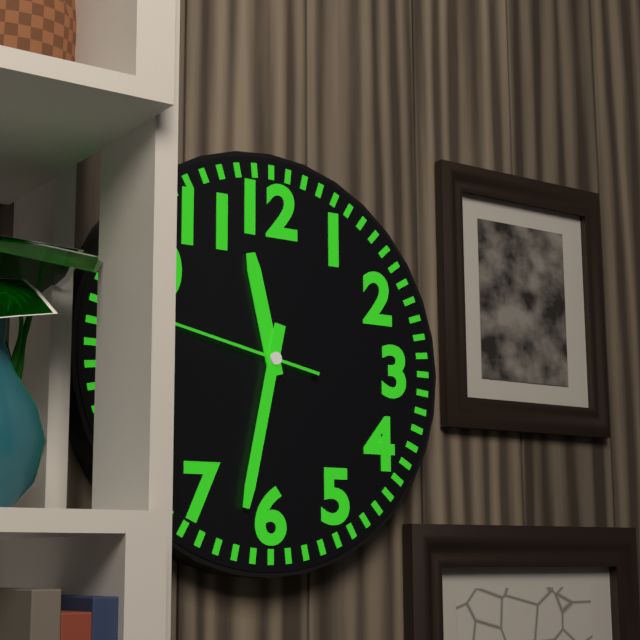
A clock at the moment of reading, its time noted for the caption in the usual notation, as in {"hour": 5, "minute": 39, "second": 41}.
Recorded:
{"hour": 11, "minute": 32, "second": 47}
